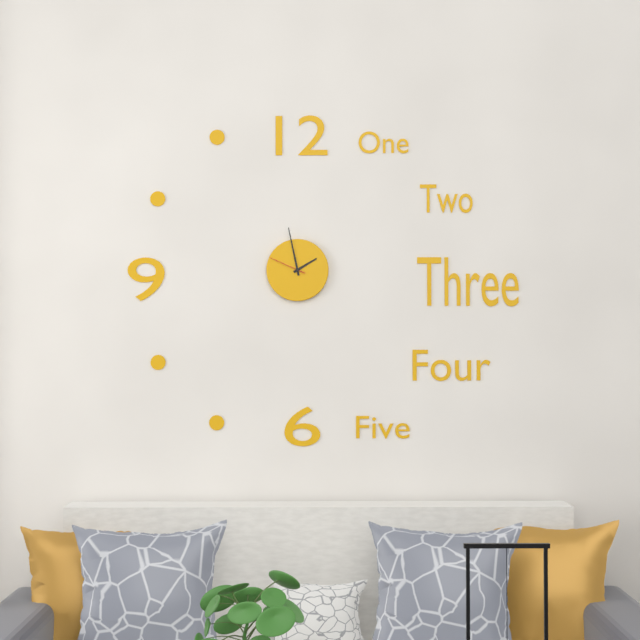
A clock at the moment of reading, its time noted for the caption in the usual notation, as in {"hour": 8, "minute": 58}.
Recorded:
{"hour": 1, "minute": 58}
